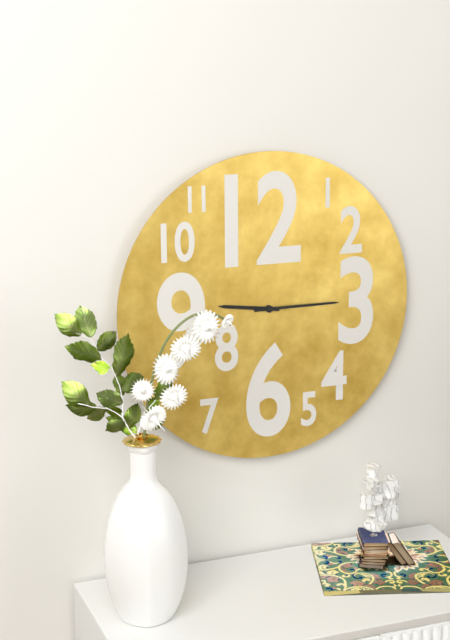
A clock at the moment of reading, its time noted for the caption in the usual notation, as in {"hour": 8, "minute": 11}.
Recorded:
{"hour": 9, "minute": 15}
